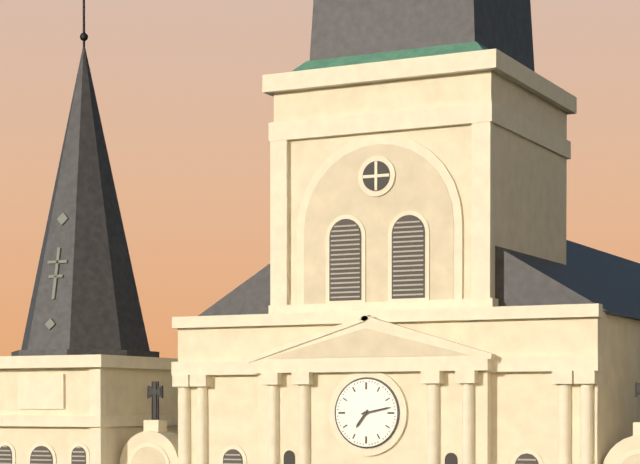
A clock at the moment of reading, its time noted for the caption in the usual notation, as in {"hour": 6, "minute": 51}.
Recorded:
{"hour": 7, "minute": 13}
